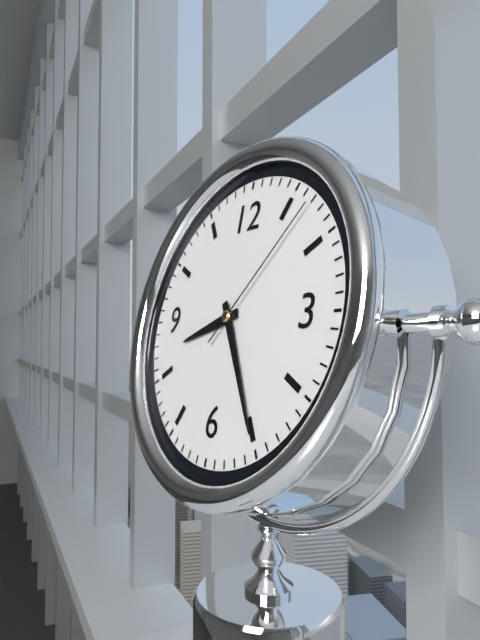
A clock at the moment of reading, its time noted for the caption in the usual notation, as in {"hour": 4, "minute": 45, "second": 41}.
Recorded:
{"hour": 8, "minute": 25, "second": 7}
